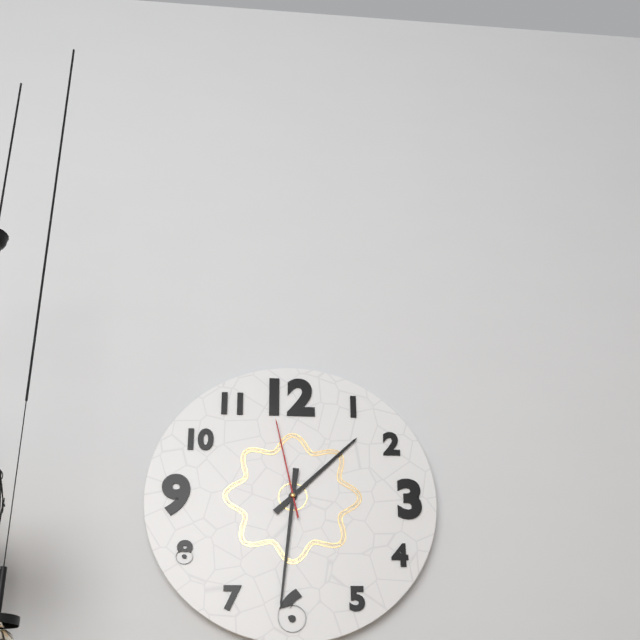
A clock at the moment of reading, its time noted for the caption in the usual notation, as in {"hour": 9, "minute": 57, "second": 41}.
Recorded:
{"hour": 1, "minute": 31, "second": 58}
